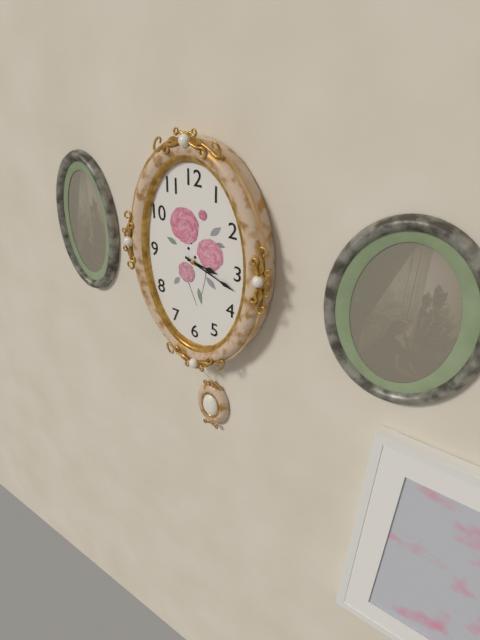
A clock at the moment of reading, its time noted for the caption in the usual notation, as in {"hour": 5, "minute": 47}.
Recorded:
{"hour": 3, "minute": 18}
